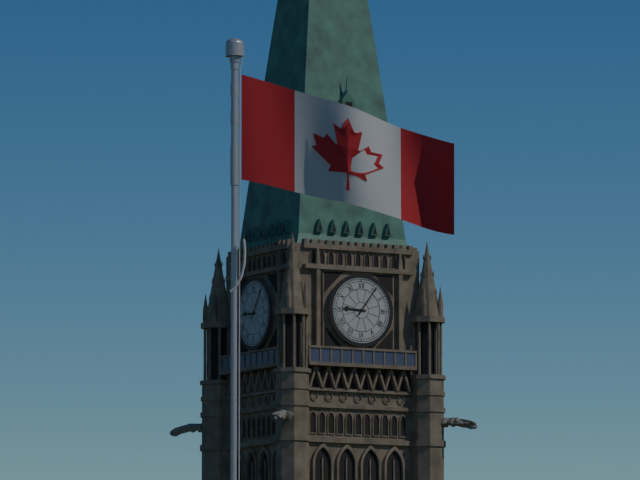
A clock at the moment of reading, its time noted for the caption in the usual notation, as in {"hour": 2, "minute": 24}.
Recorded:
{"hour": 9, "minute": 6}
